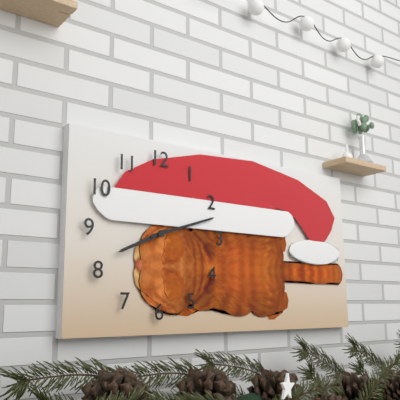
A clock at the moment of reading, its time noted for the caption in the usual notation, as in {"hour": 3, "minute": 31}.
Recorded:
{"hour": 8, "minute": 12}
